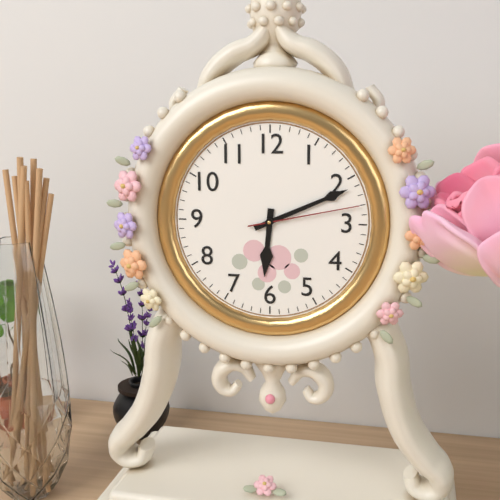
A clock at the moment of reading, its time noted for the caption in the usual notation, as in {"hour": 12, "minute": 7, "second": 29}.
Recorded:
{"hour": 6, "minute": 11, "second": 13}
